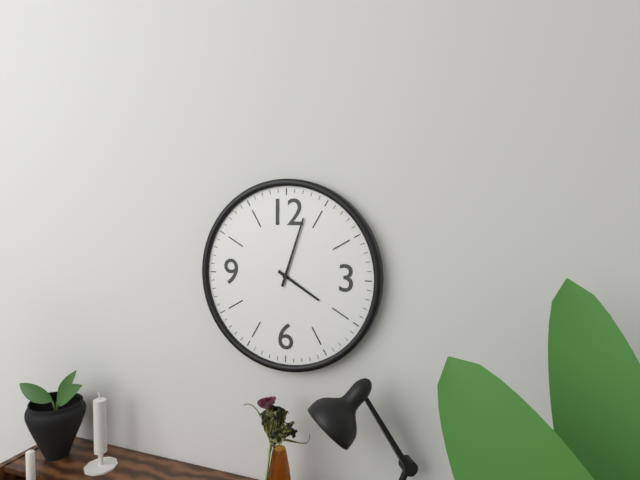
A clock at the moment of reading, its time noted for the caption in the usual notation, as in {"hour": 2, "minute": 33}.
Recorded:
{"hour": 4, "minute": 3}
